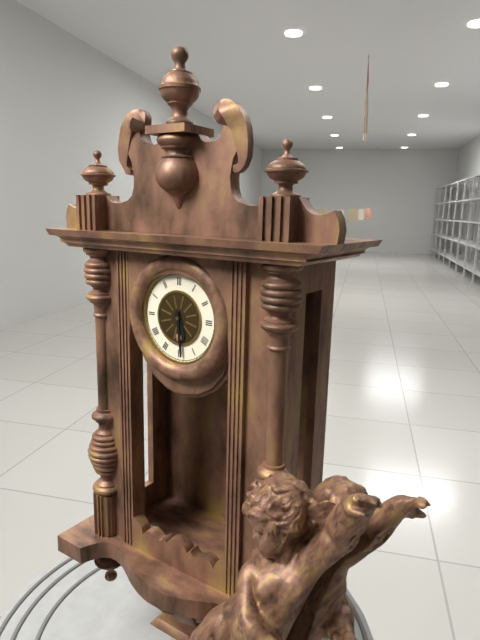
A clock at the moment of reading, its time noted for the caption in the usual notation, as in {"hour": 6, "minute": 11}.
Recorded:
{"hour": 5, "minute": 29}
